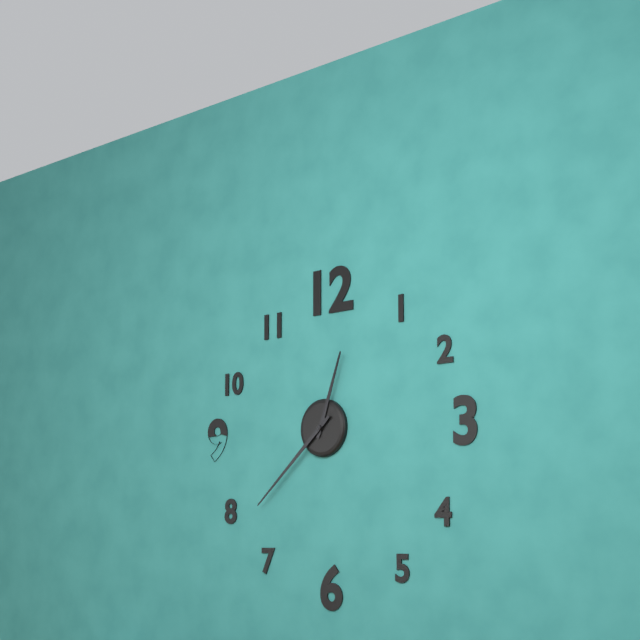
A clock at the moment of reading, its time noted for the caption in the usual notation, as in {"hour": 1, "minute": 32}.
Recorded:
{"hour": 12, "minute": 38}
